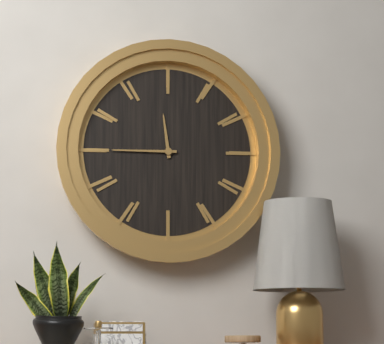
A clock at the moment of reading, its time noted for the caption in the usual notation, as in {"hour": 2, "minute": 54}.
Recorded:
{"hour": 11, "minute": 45}
